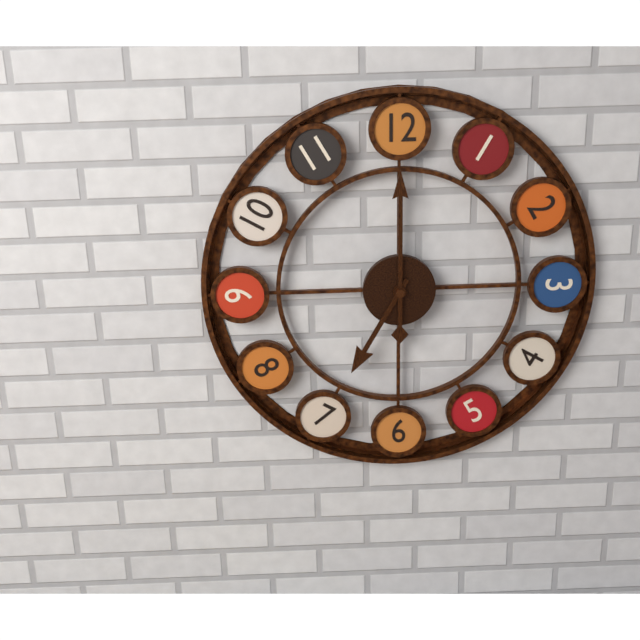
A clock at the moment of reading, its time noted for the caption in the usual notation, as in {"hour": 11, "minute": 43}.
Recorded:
{"hour": 7, "minute": 0}
